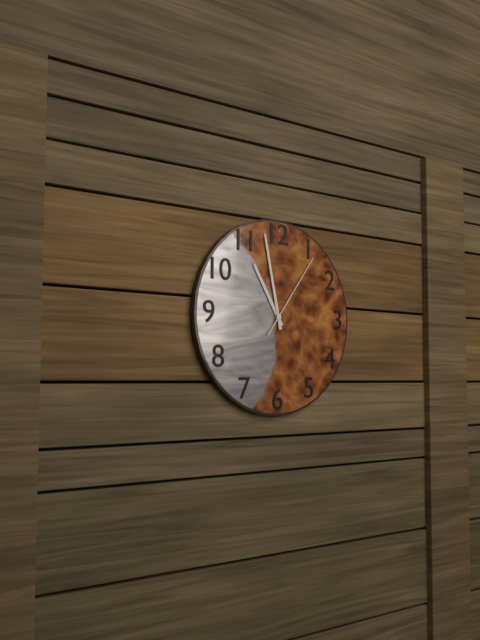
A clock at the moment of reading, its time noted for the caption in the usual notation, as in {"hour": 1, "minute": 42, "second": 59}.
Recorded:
{"hour": 10, "minute": 58, "second": 6}
